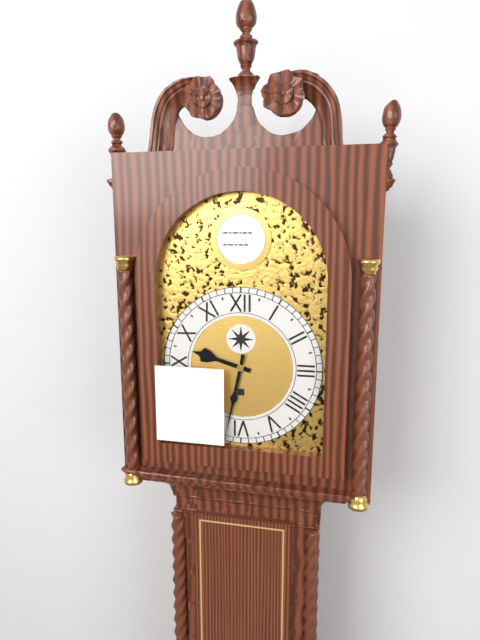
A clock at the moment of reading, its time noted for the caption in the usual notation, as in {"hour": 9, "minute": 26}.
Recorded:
{"hour": 9, "minute": 32}
